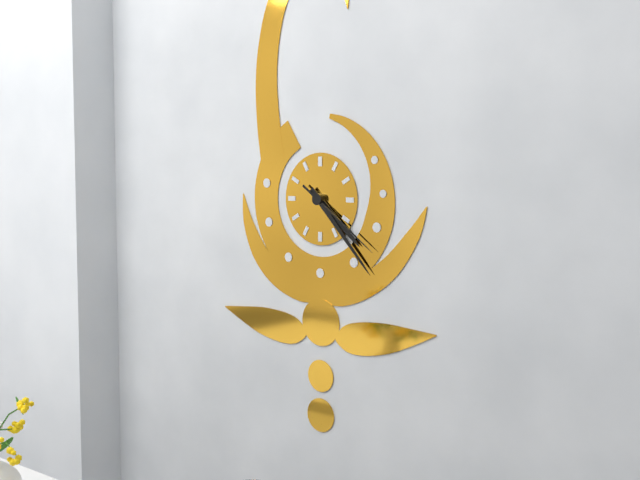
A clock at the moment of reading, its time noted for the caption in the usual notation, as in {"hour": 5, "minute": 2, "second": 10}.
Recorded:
{"hour": 4, "minute": 23, "second": 21}
